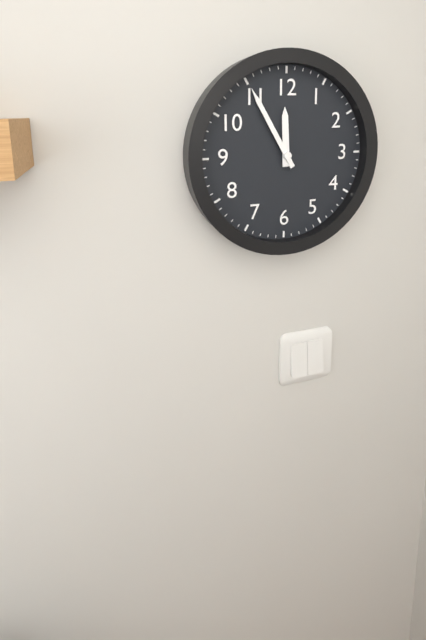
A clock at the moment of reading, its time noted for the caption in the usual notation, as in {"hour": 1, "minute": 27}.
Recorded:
{"hour": 11, "minute": 55}
